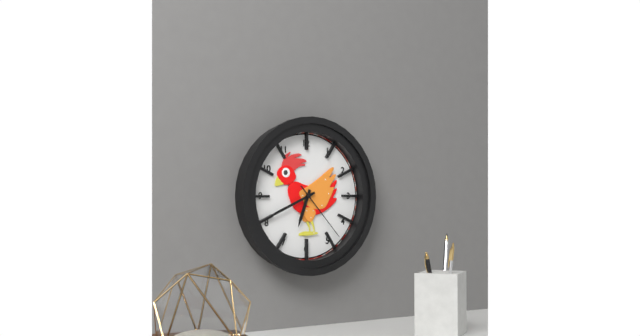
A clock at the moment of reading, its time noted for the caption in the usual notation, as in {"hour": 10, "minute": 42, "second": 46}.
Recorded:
{"hour": 6, "minute": 41, "second": 23}
